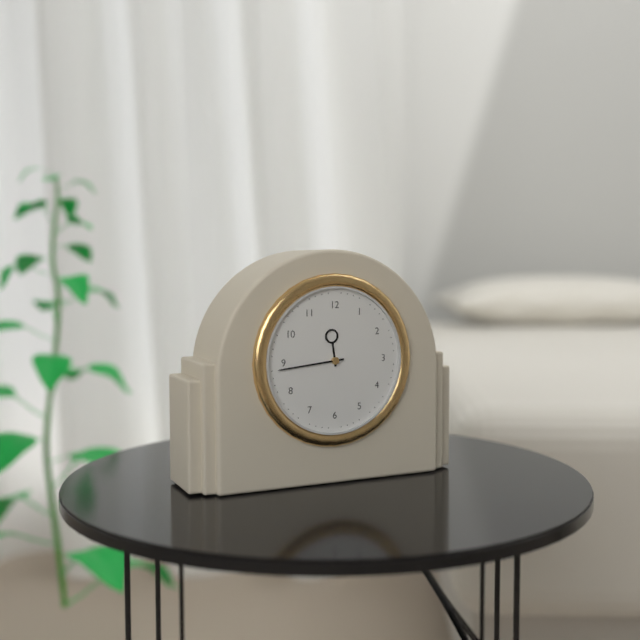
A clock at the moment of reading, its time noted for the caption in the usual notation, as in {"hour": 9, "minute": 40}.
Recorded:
{"hour": 11, "minute": 44}
